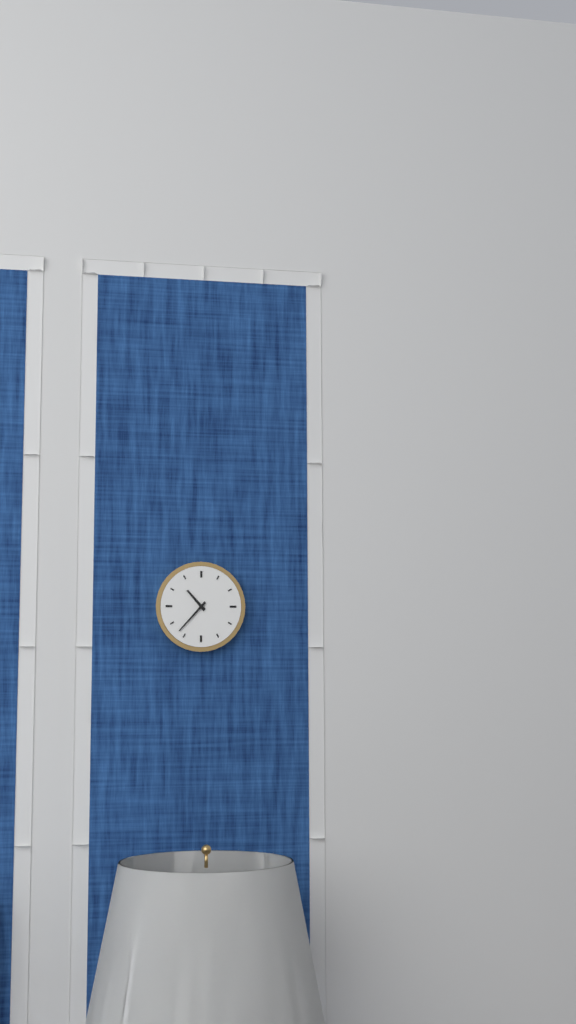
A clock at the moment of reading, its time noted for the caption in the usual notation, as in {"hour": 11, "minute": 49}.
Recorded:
{"hour": 10, "minute": 37}
